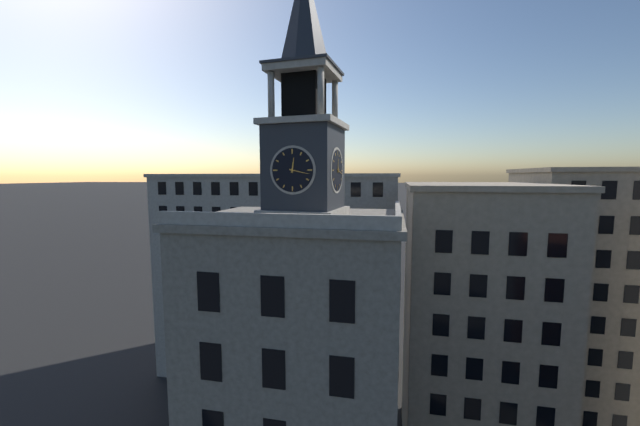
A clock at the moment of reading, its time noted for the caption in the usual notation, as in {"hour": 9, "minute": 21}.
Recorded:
{"hour": 12, "minute": 17}
